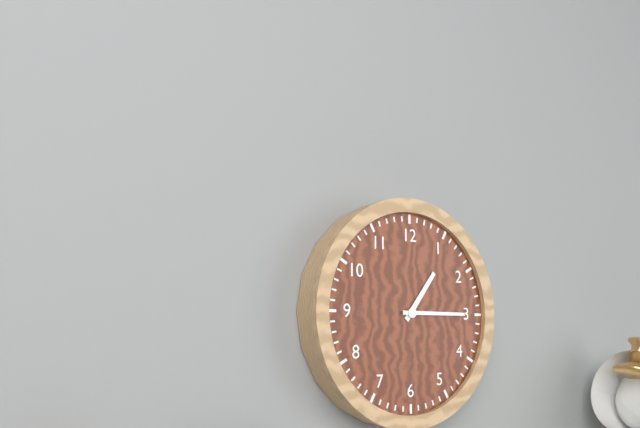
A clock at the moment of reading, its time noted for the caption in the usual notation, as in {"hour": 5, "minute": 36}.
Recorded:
{"hour": 1, "minute": 15}
